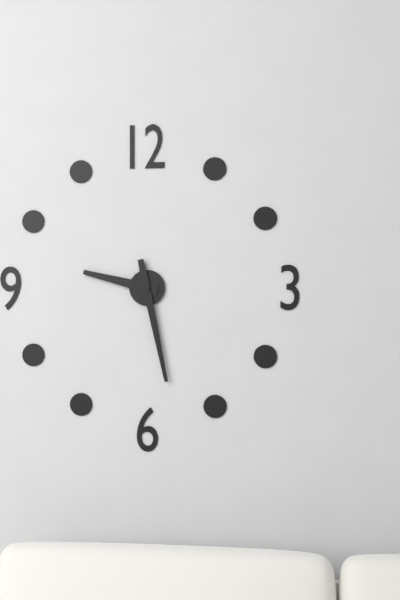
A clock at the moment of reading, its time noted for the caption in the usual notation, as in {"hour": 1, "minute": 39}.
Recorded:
{"hour": 9, "minute": 28}
